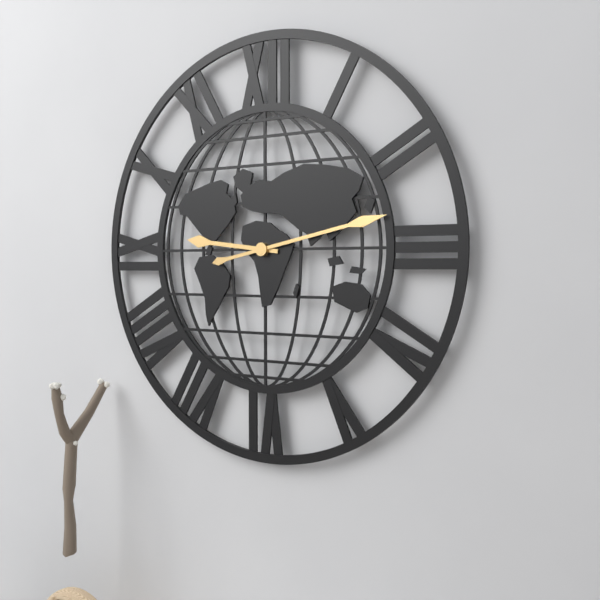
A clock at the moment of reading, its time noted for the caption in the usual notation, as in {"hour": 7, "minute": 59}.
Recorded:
{"hour": 9, "minute": 13}
